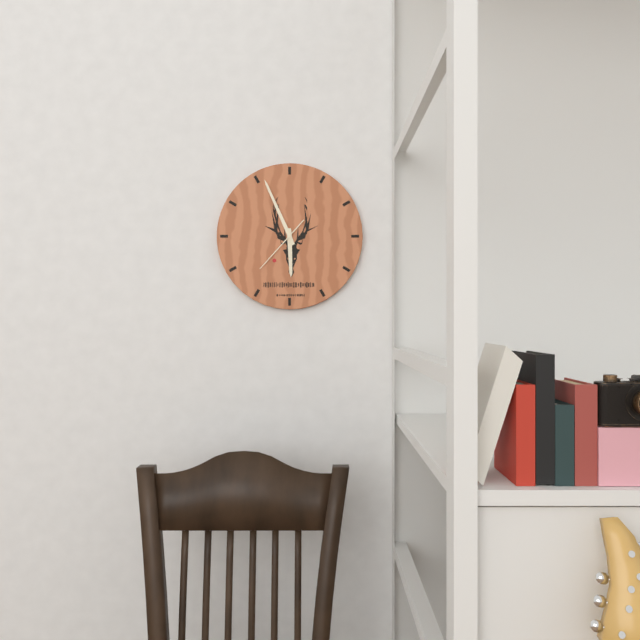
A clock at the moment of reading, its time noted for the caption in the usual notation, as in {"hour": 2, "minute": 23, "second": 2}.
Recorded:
{"hour": 5, "minute": 56, "second": 37}
